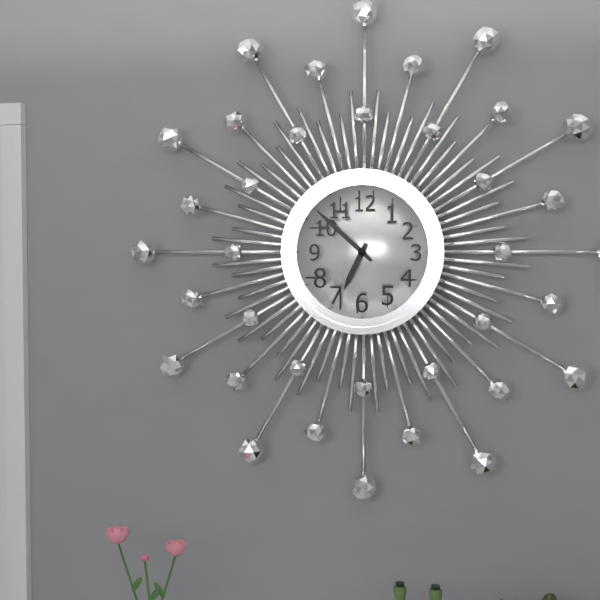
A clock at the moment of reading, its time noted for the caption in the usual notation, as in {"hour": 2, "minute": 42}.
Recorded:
{"hour": 6, "minute": 52}
